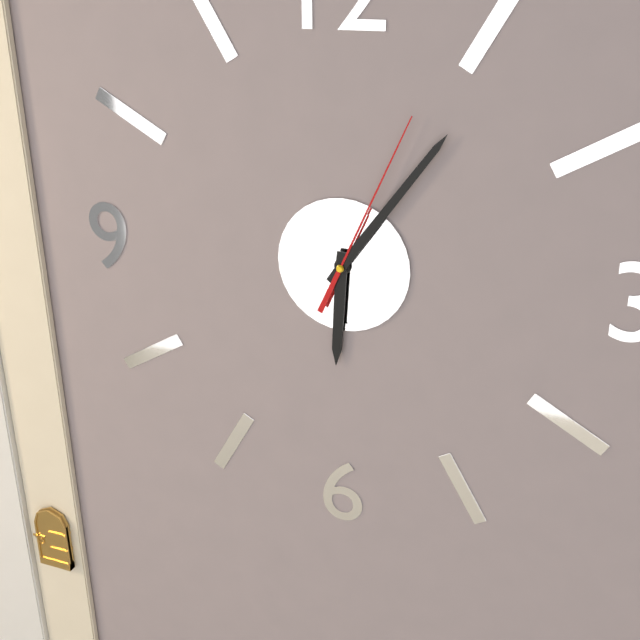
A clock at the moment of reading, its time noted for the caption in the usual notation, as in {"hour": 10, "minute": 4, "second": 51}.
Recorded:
{"hour": 6, "minute": 6, "second": 4}
